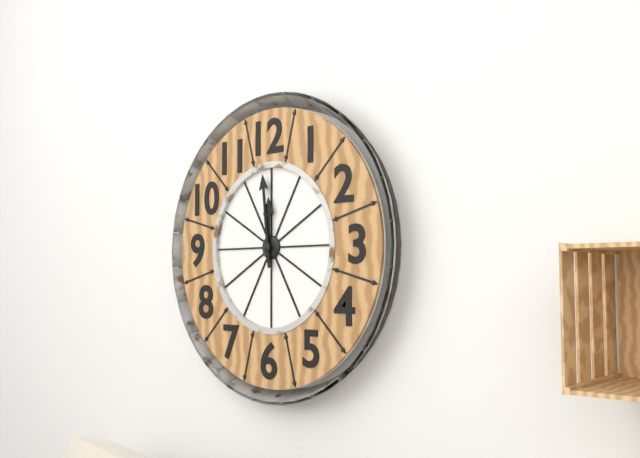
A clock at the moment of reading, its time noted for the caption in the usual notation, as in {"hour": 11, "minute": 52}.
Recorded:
{"hour": 11, "minute": 59}
